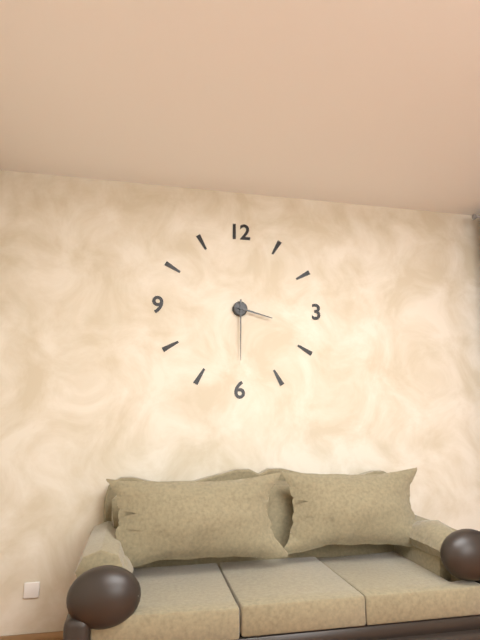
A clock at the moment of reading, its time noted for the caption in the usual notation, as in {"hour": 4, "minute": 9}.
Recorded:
{"hour": 3, "minute": 30}
